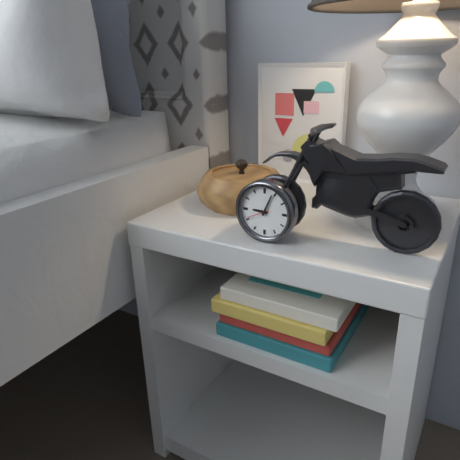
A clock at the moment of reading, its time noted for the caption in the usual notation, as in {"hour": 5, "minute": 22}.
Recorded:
{"hour": 9, "minute": 4}
